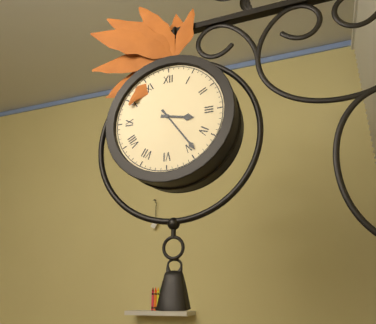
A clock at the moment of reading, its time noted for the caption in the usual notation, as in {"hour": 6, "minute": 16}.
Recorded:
{"hour": 3, "minute": 24}
